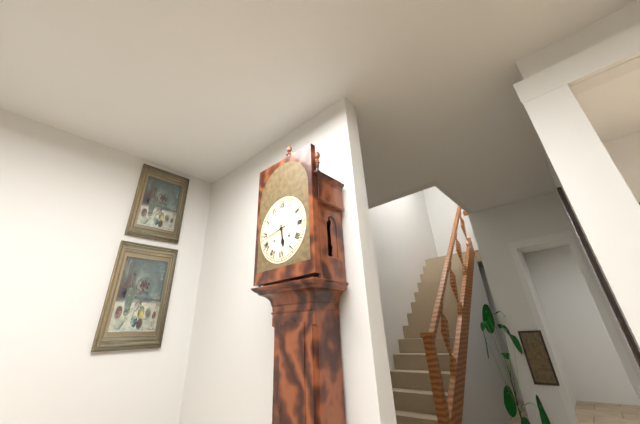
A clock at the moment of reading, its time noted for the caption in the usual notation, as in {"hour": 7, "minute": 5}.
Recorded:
{"hour": 5, "minute": 43}
